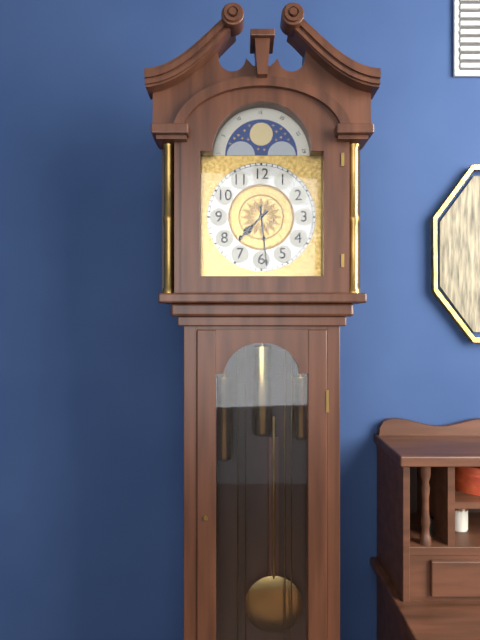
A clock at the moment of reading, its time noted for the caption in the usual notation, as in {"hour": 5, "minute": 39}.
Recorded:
{"hour": 7, "minute": 29}
